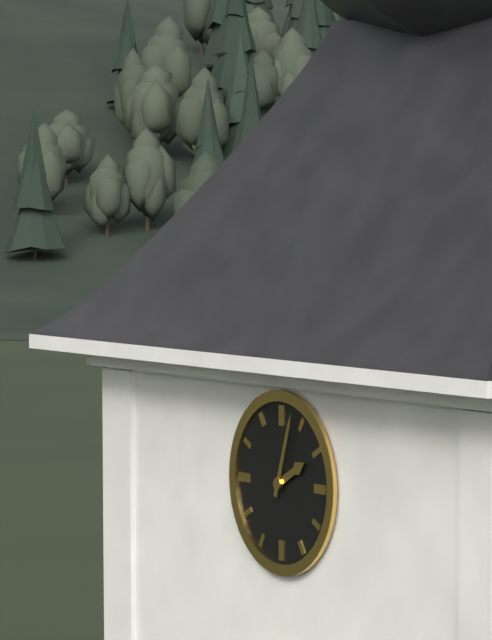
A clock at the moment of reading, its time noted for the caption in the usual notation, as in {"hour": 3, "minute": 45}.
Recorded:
{"hour": 2, "minute": 3}
